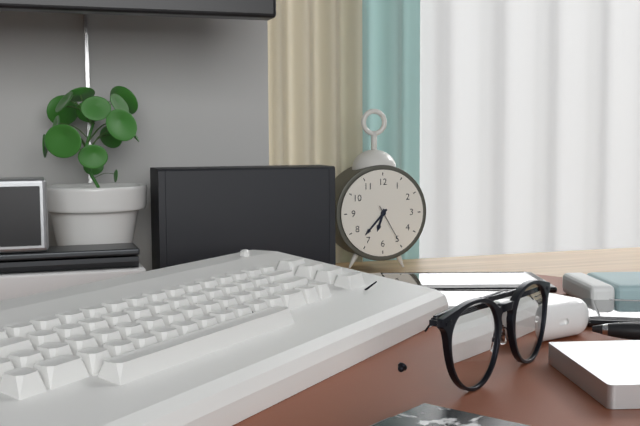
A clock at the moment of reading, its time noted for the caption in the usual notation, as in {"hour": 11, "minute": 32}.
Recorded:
{"hour": 6, "minute": 37}
